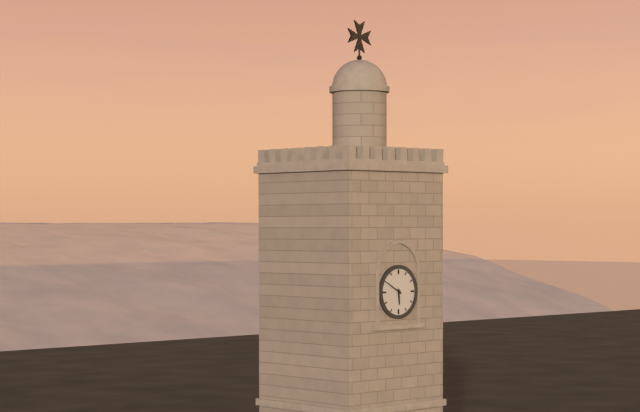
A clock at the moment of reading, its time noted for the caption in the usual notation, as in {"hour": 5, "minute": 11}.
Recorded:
{"hour": 5, "minute": 50}
